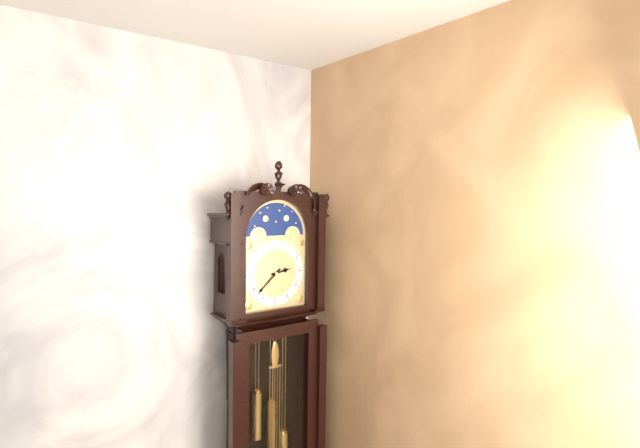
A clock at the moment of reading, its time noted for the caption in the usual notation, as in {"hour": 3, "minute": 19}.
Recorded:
{"hour": 2, "minute": 38}
